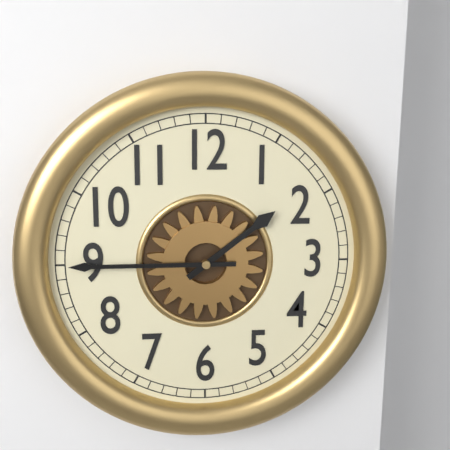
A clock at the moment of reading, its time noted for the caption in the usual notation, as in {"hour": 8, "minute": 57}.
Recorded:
{"hour": 1, "minute": 45}
